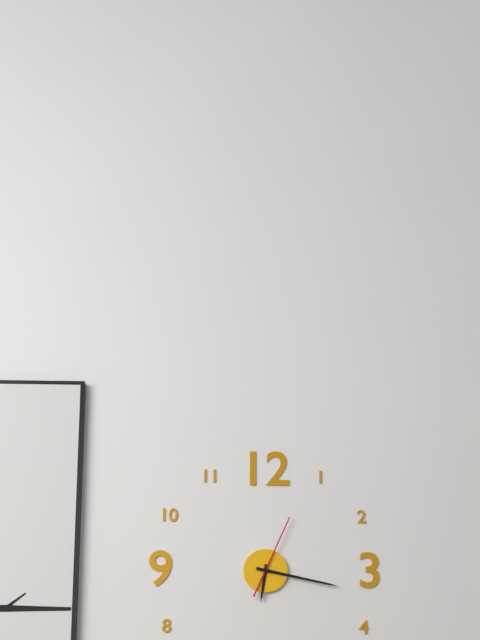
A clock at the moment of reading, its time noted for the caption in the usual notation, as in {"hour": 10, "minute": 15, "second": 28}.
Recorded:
{"hour": 6, "minute": 17, "second": 4}
